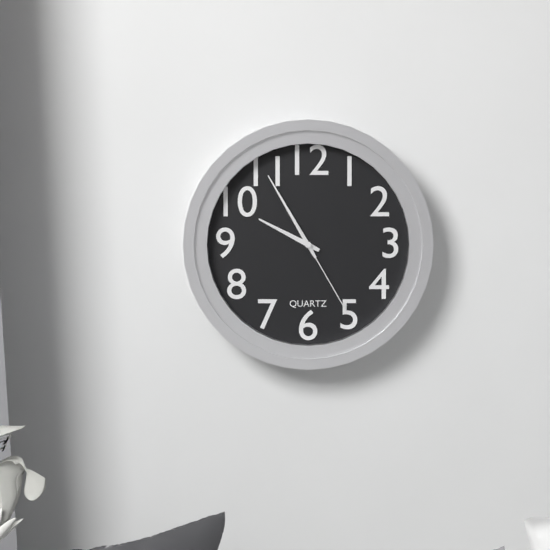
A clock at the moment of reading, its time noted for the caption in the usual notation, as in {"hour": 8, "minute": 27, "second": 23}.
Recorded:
{"hour": 9, "minute": 55, "second": 25}
